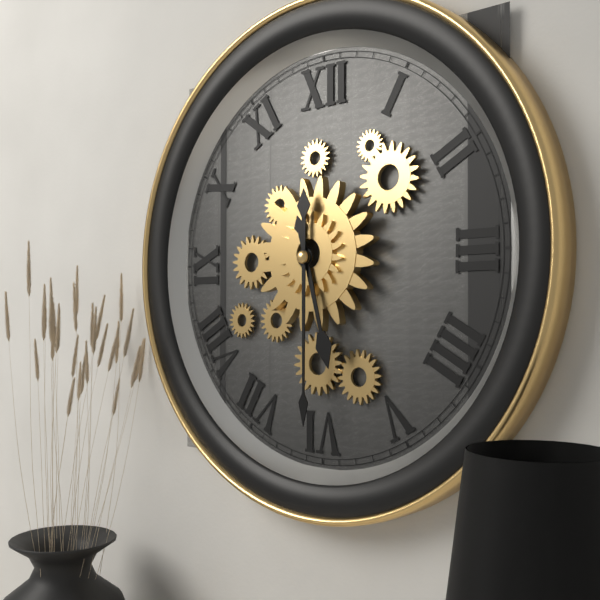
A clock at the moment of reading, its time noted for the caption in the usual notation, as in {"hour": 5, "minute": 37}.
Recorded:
{"hour": 5, "minute": 30}
